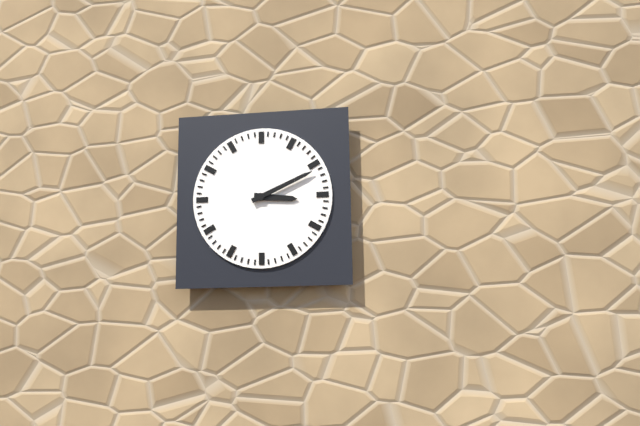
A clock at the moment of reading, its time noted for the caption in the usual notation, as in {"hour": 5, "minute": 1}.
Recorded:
{"hour": 3, "minute": 11}
